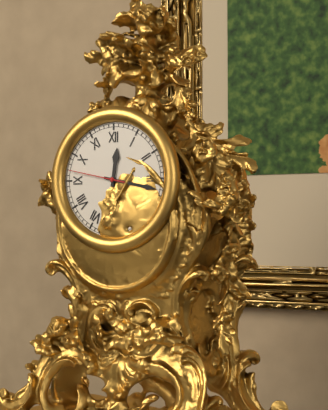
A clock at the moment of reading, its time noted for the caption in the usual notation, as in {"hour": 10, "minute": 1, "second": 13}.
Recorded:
{"hour": 12, "minute": 17, "second": 47}
